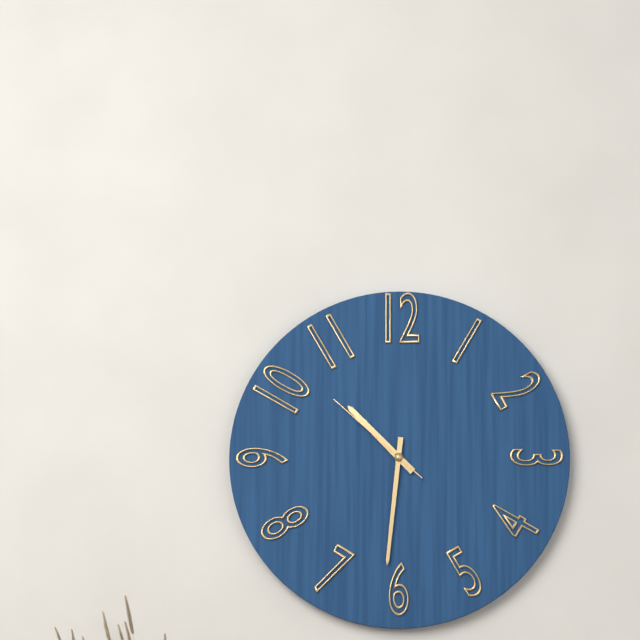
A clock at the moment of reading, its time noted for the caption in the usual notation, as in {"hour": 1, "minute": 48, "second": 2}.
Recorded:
{"hour": 10, "minute": 31, "second": 52}
